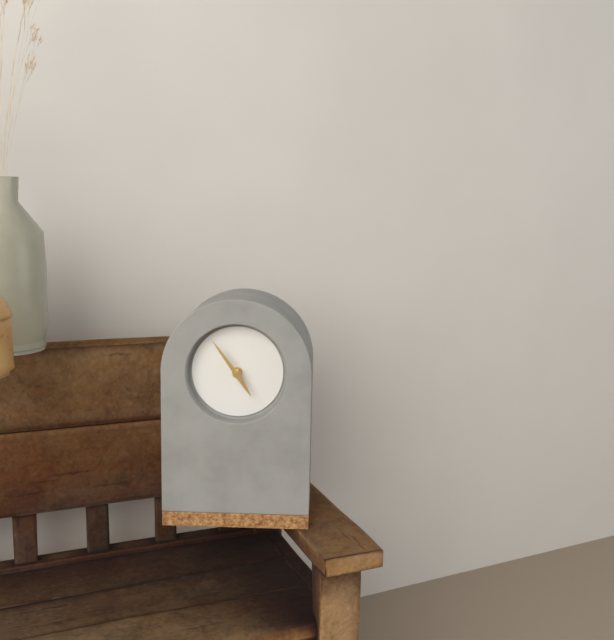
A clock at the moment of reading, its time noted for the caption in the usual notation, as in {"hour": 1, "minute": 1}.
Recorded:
{"hour": 4, "minute": 54}
